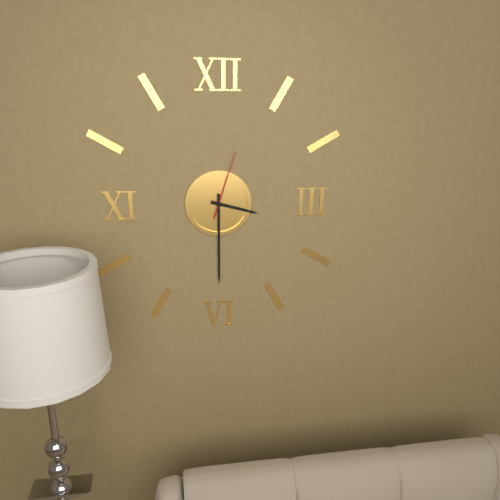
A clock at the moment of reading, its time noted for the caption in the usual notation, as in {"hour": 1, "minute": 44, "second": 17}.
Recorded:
{"hour": 3, "minute": 30, "second": 3}
